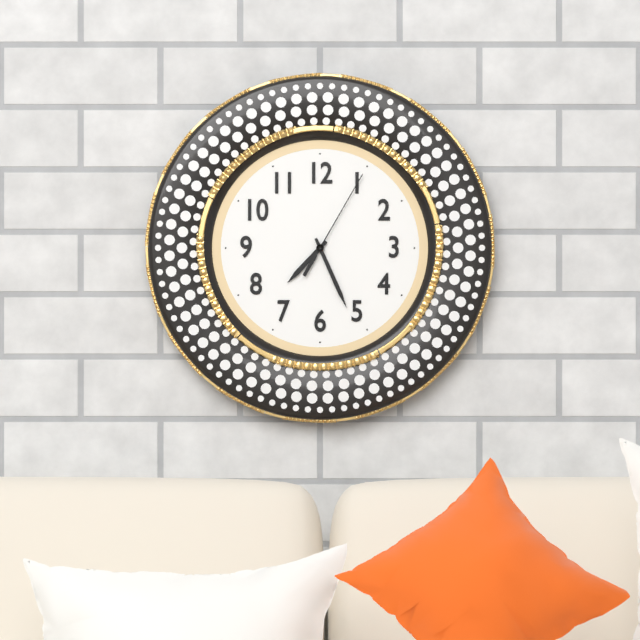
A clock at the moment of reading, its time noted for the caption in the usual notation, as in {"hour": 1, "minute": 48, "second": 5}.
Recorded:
{"hour": 7, "minute": 26, "second": 5}
